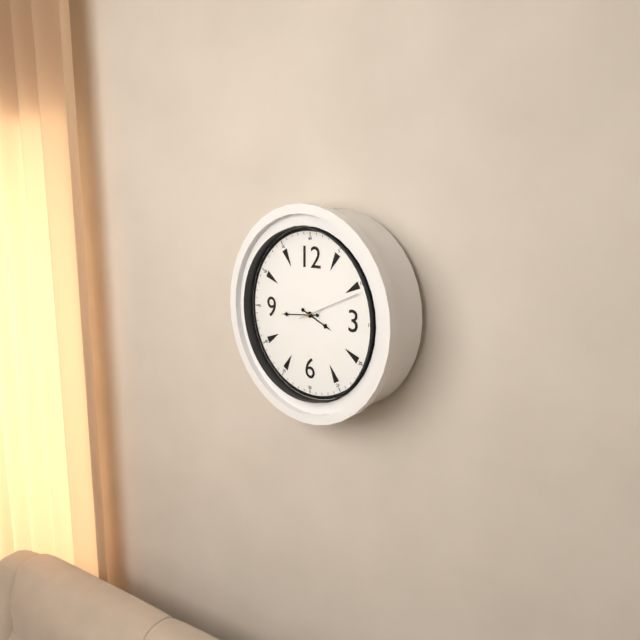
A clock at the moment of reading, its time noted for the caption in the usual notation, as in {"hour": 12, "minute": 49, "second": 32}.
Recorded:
{"hour": 3, "minute": 44, "second": 11}
